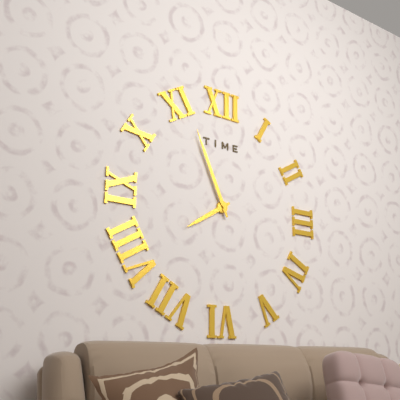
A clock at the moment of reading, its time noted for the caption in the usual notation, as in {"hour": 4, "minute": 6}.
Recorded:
{"hour": 7, "minute": 56}
